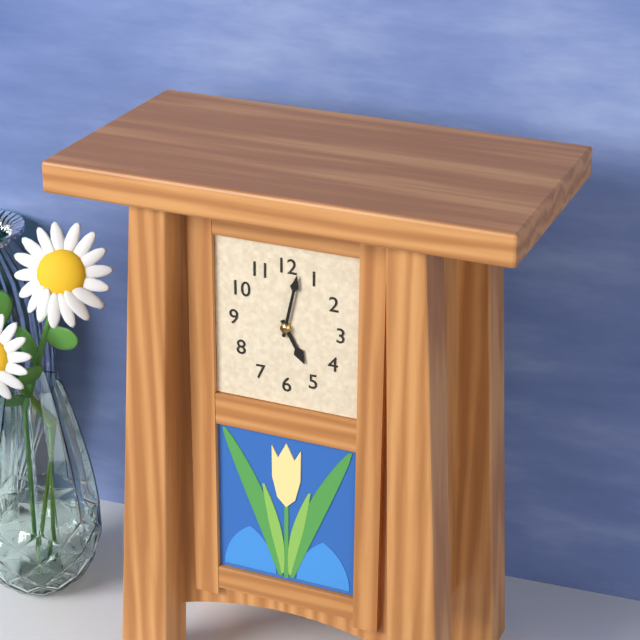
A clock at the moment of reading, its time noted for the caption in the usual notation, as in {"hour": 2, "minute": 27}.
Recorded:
{"hour": 5, "minute": 2}
